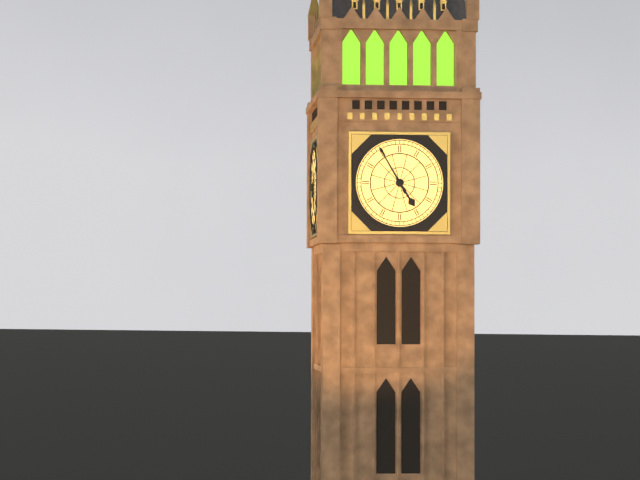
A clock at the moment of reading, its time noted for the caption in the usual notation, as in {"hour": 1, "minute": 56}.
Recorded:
{"hour": 4, "minute": 55}
